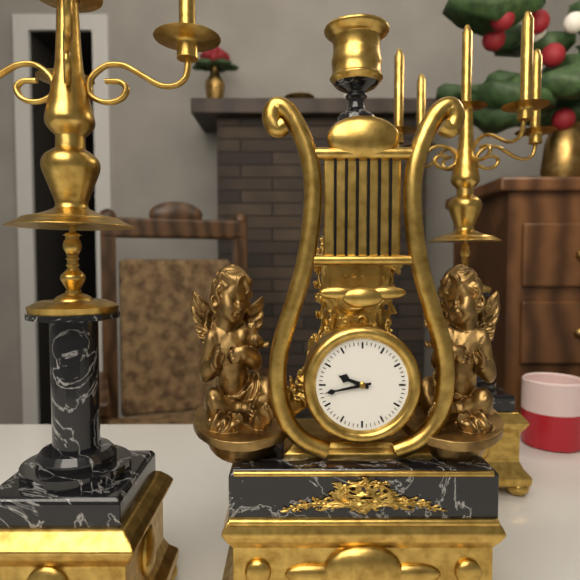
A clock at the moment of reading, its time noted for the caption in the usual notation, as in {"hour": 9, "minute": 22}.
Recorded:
{"hour": 9, "minute": 43}
